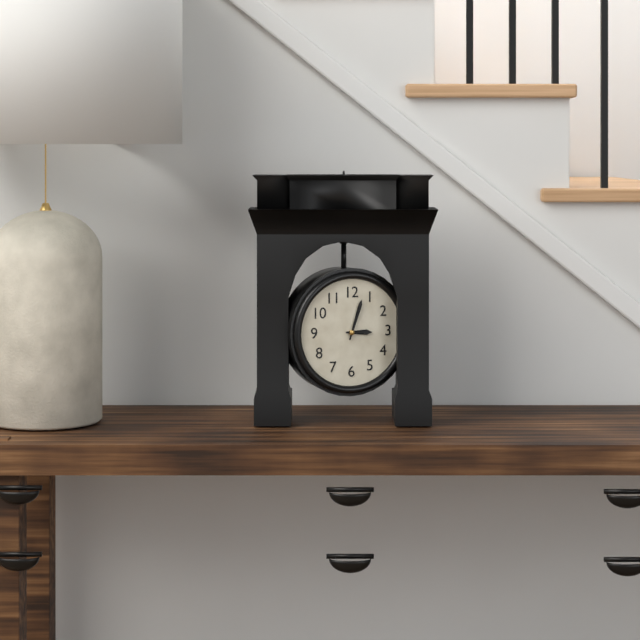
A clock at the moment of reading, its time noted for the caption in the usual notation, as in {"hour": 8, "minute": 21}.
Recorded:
{"hour": 3, "minute": 3}
